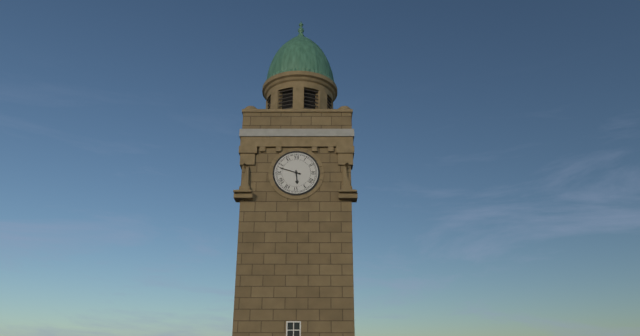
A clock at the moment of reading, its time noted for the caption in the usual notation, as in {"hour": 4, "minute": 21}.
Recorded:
{"hour": 5, "minute": 48}
